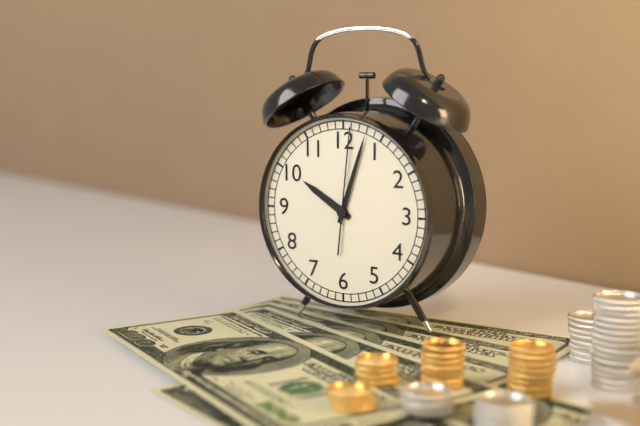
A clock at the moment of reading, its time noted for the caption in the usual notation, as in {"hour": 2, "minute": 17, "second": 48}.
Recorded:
{"hour": 10, "minute": 3, "second": 1}
